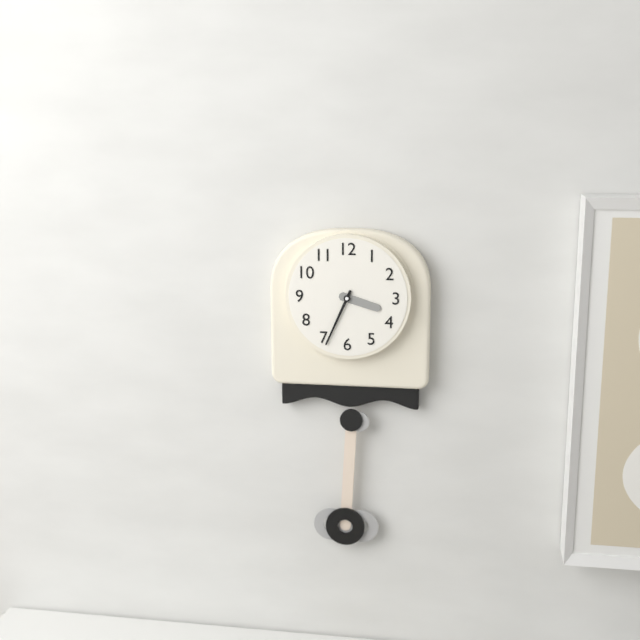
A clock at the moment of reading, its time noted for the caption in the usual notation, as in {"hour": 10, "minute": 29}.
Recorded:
{"hour": 3, "minute": 34}
